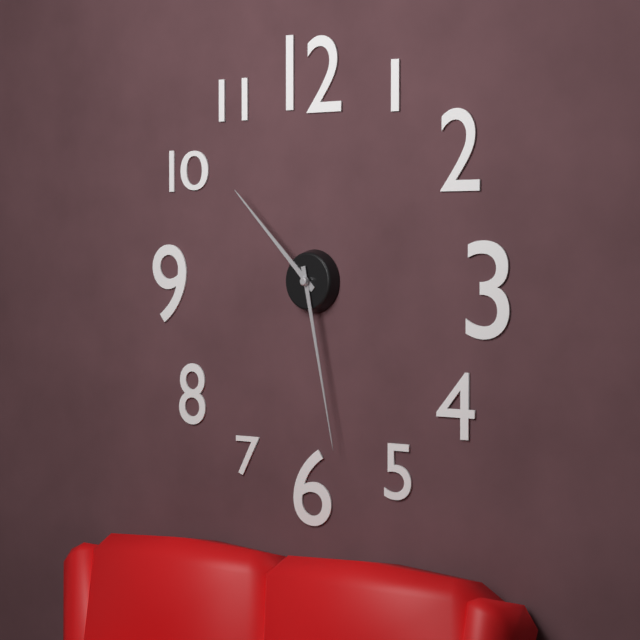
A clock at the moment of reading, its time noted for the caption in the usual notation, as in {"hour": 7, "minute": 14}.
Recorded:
{"hour": 10, "minute": 28}
